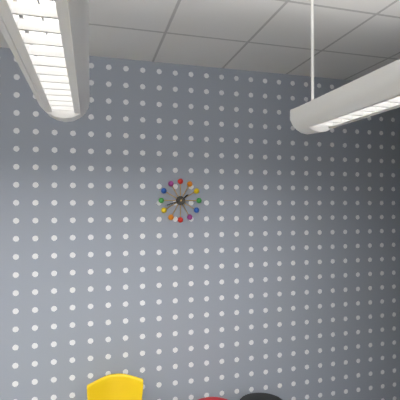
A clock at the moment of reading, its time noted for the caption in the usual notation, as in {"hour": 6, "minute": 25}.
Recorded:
{"hour": 1, "minute": 42}
